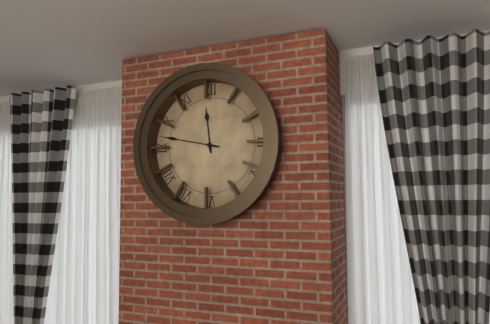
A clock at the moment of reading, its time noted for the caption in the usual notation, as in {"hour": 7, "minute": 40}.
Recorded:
{"hour": 11, "minute": 47}
